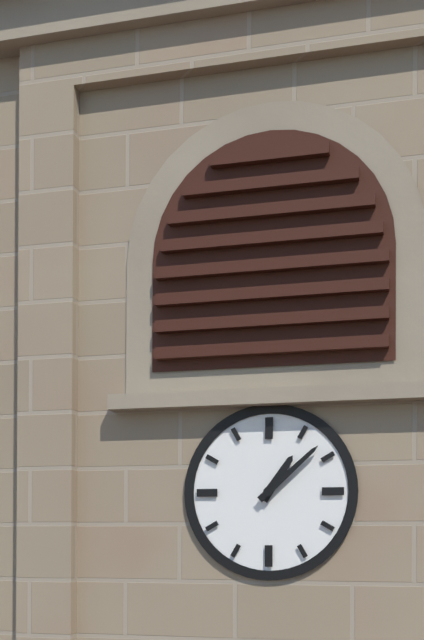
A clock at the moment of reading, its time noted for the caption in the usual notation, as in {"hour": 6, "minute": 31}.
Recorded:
{"hour": 1, "minute": 8}
